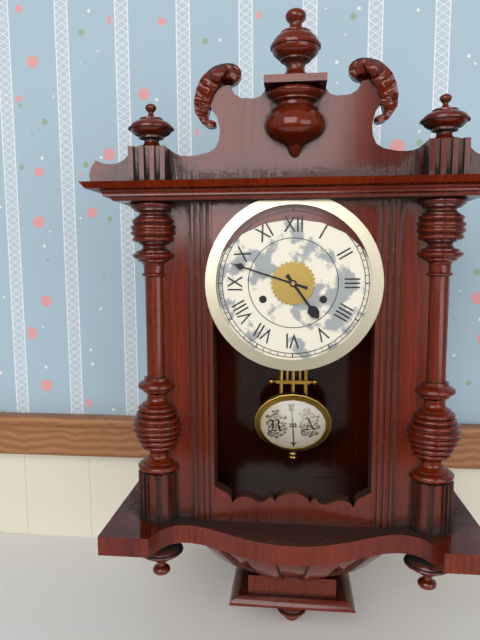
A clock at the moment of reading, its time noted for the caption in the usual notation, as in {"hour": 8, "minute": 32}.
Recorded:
{"hour": 4, "minute": 48}
